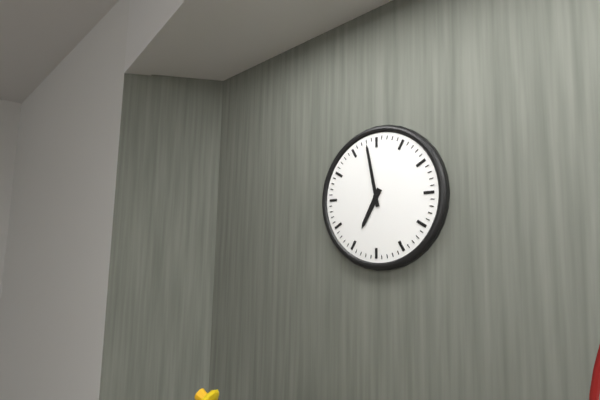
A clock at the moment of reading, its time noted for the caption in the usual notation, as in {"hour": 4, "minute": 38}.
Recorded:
{"hour": 6, "minute": 58}
